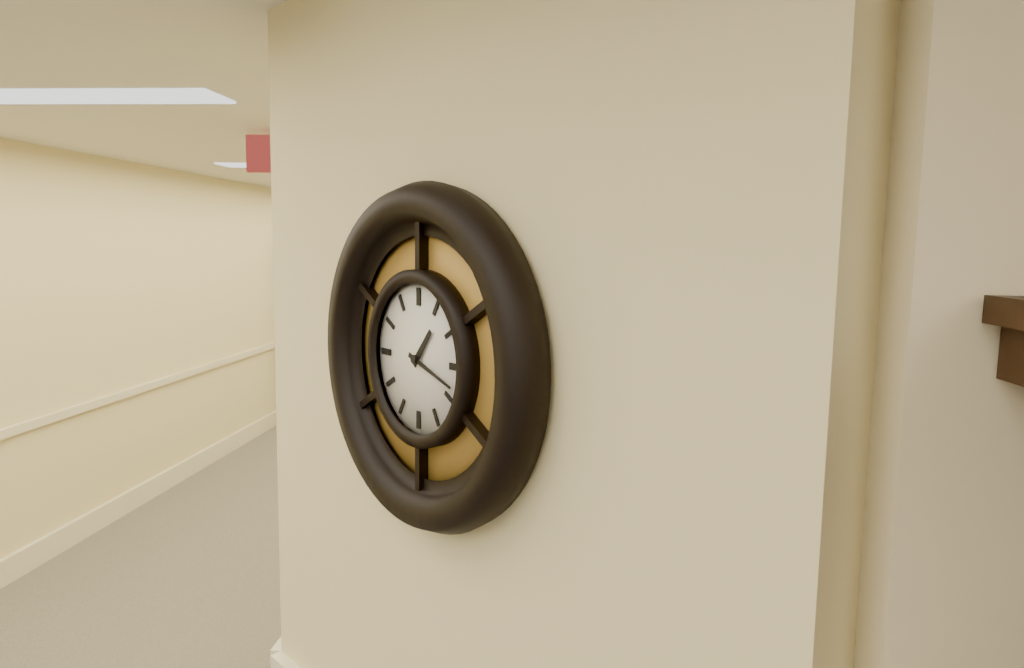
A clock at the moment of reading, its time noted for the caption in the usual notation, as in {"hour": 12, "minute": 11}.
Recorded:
{"hour": 1, "minute": 18}
